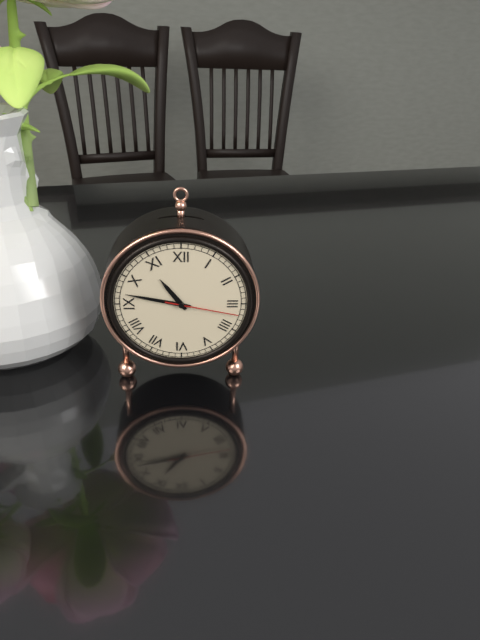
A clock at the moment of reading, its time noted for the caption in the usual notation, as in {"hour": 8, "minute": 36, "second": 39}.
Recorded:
{"hour": 10, "minute": 47, "second": 17}
